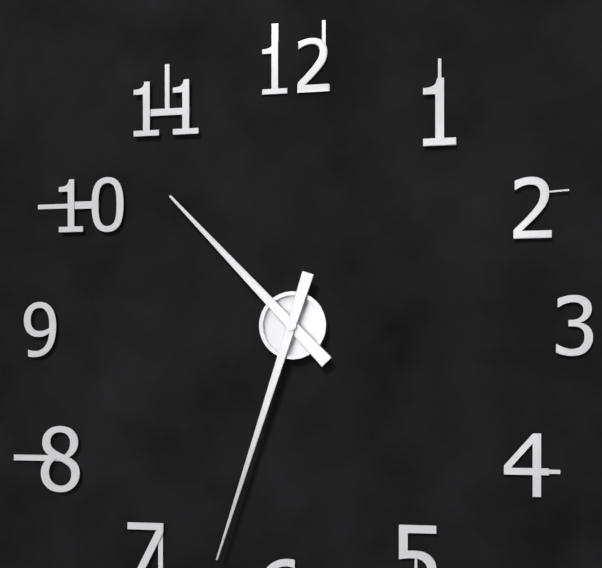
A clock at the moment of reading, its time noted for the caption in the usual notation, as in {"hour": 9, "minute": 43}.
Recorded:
{"hour": 10, "minute": 33}
